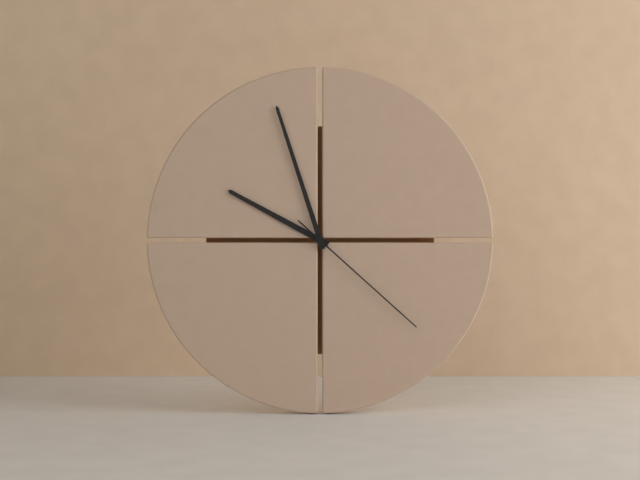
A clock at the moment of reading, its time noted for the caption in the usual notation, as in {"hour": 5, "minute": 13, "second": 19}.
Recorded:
{"hour": 9, "minute": 57, "second": 22}
